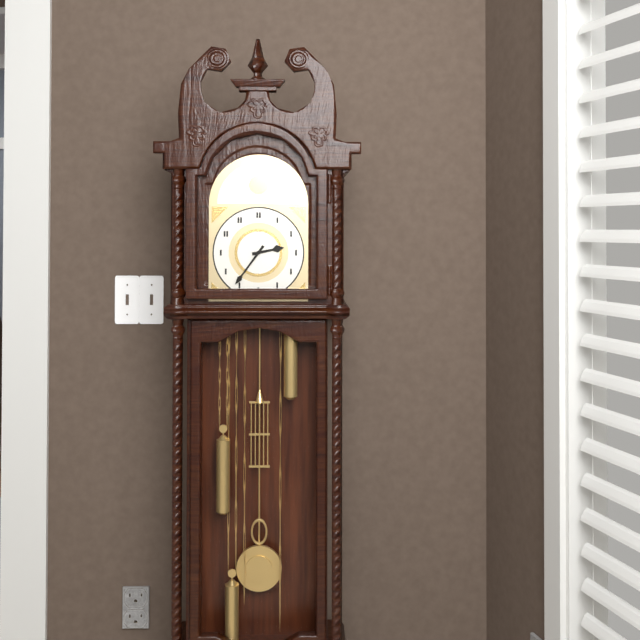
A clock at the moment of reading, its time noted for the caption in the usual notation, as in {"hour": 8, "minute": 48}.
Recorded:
{"hour": 2, "minute": 36}
